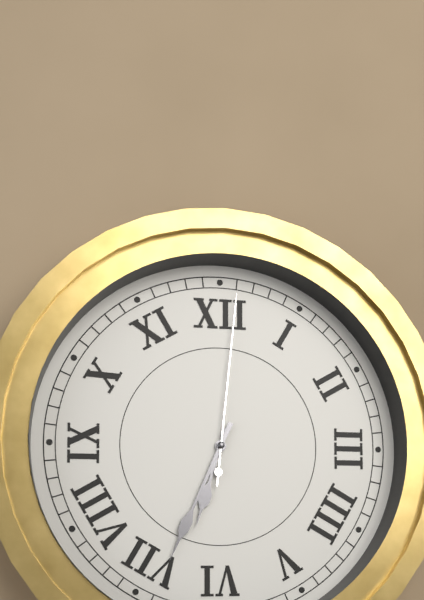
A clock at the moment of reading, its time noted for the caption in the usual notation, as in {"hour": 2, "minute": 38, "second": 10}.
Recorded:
{"hour": 6, "minute": 34, "second": 1}
